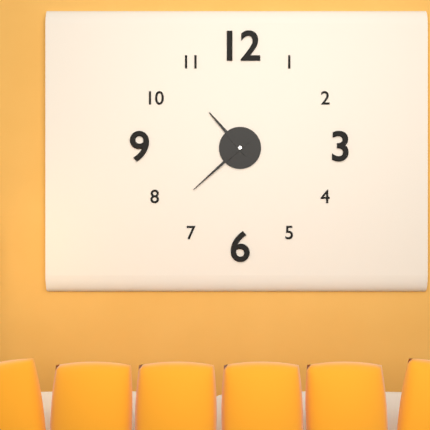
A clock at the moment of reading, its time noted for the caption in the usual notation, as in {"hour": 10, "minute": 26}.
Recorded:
{"hour": 10, "minute": 38}
